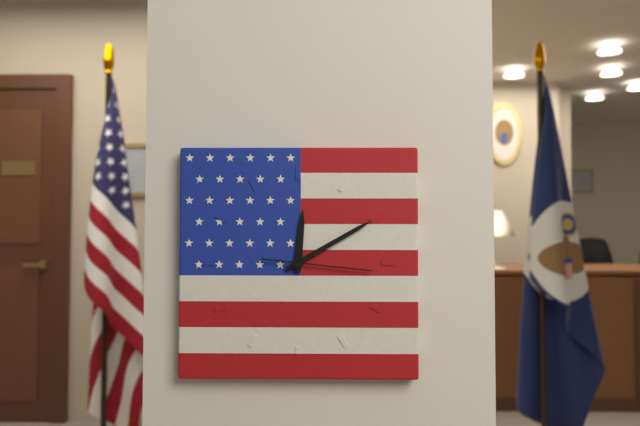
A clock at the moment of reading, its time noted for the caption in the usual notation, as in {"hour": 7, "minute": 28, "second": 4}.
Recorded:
{"hour": 12, "minute": 10, "second": 16}
